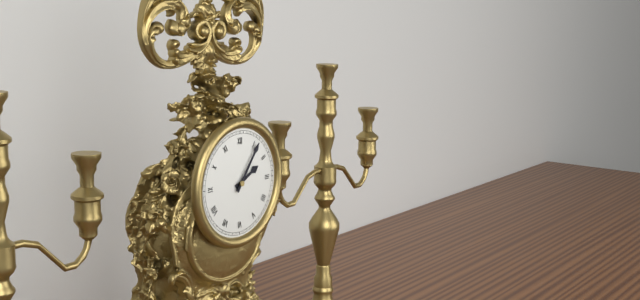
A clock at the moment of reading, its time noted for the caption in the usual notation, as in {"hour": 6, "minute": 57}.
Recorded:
{"hour": 2, "minute": 6}
